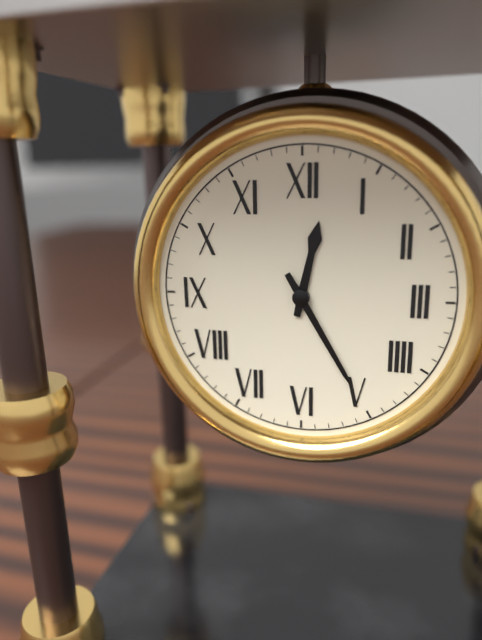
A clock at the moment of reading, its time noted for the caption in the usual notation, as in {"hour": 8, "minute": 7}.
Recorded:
{"hour": 12, "minute": 25}
